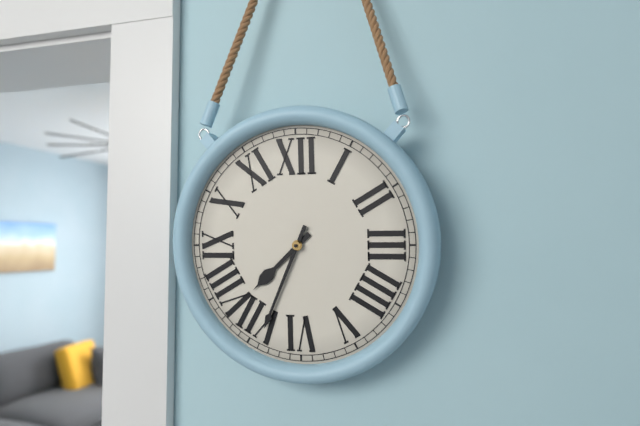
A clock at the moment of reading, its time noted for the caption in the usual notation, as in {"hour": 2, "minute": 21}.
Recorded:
{"hour": 7, "minute": 34}
